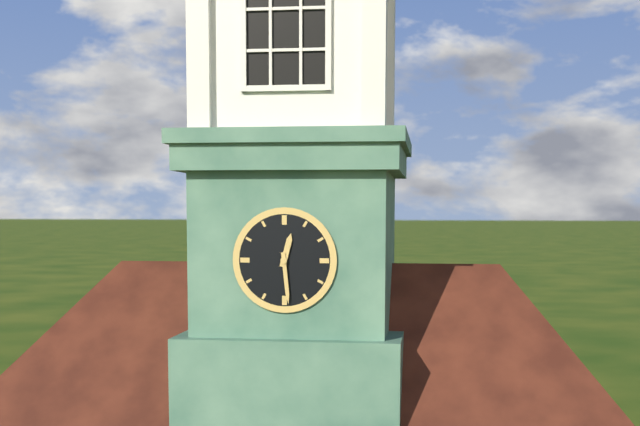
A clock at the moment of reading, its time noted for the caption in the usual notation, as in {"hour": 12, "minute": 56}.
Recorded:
{"hour": 12, "minute": 29}
